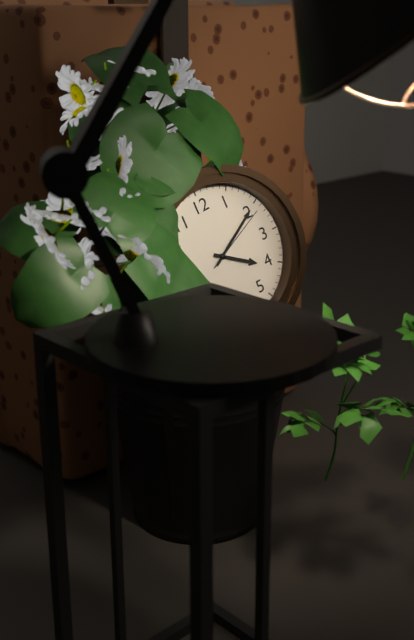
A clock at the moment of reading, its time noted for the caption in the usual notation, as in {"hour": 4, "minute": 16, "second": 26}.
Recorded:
{"hour": 4, "minute": 10, "second": 11}
